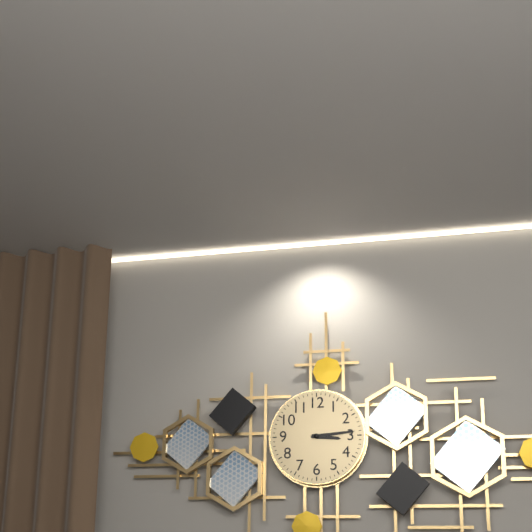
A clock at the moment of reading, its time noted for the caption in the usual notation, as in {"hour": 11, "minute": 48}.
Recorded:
{"hour": 3, "minute": 14}
